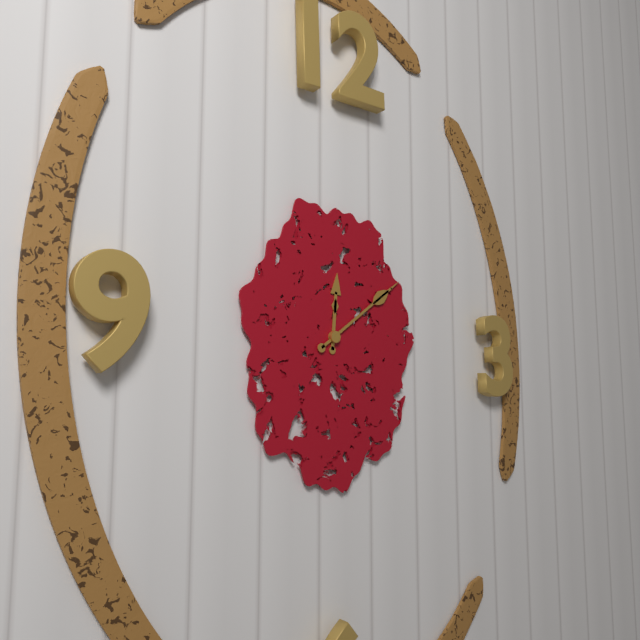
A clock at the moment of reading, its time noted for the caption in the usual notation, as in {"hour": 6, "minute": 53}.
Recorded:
{"hour": 12, "minute": 9}
